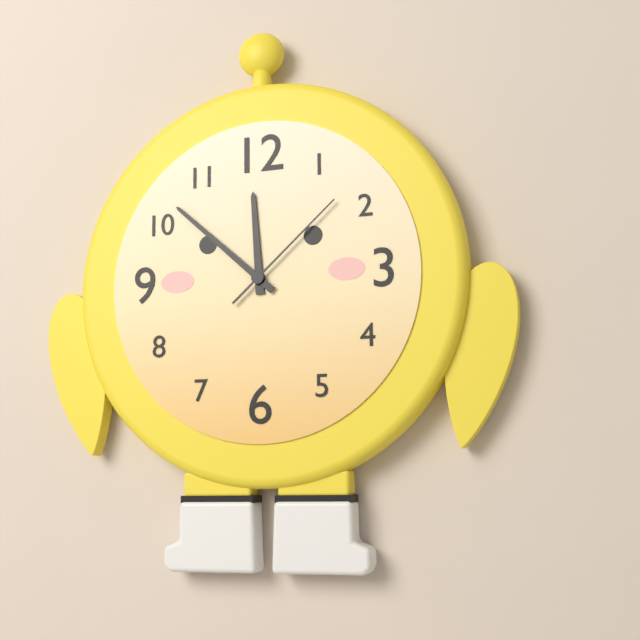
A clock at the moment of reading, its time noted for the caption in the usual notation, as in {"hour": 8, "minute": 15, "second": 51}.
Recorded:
{"hour": 11, "minute": 52, "second": 8}
